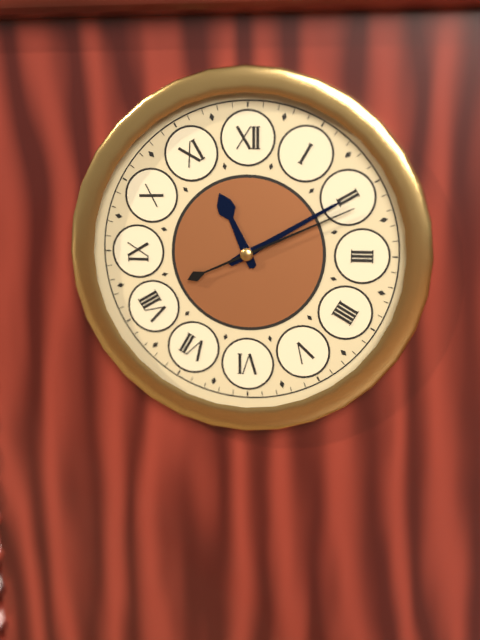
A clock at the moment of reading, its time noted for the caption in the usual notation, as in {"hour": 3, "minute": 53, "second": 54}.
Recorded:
{"hour": 11, "minute": 10, "second": 11}
